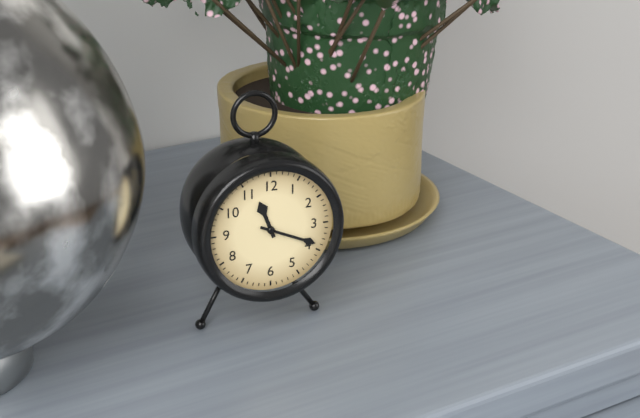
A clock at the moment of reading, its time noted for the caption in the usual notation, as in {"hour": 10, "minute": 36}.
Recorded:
{"hour": 11, "minute": 19}
